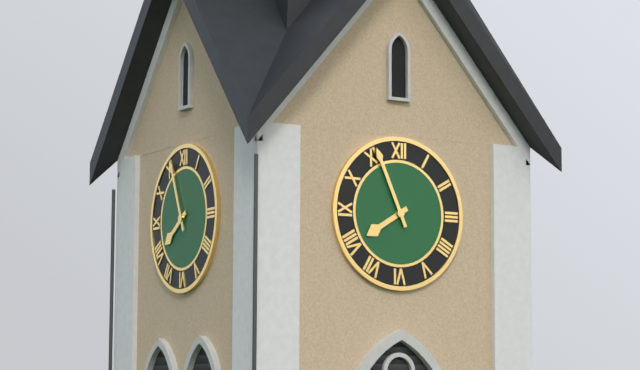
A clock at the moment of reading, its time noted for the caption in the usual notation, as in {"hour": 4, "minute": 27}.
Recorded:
{"hour": 7, "minute": 56}
